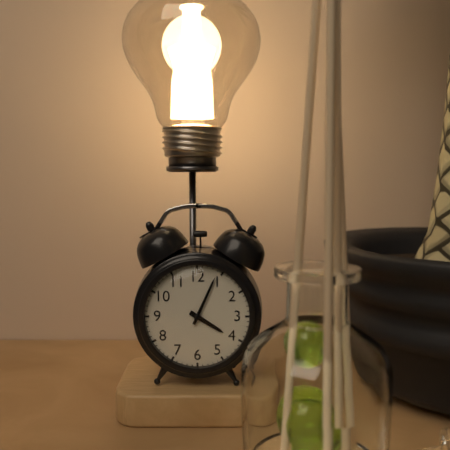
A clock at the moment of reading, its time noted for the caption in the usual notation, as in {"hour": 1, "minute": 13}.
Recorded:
{"hour": 4, "minute": 4}
